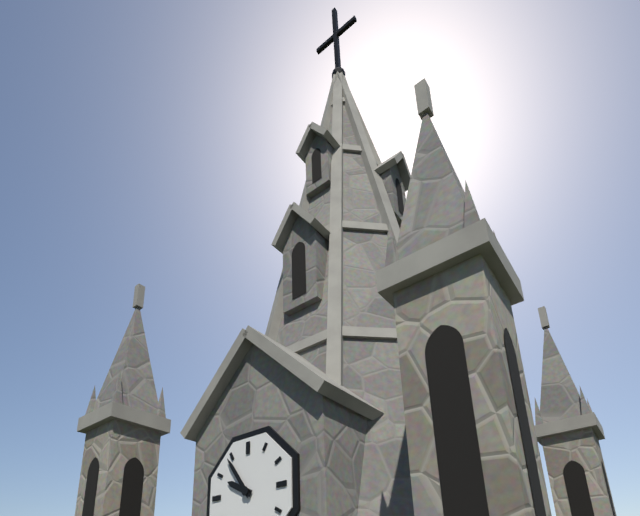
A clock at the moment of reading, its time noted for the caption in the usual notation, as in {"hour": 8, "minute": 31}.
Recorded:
{"hour": 9, "minute": 54}
